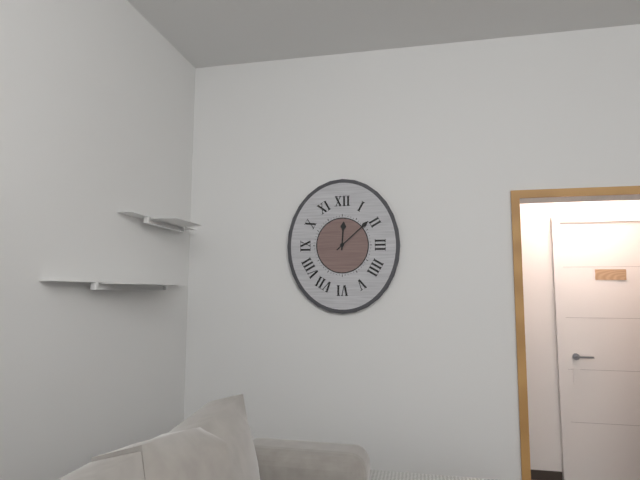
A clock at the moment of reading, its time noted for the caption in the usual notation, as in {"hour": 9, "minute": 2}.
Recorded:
{"hour": 12, "minute": 8}
